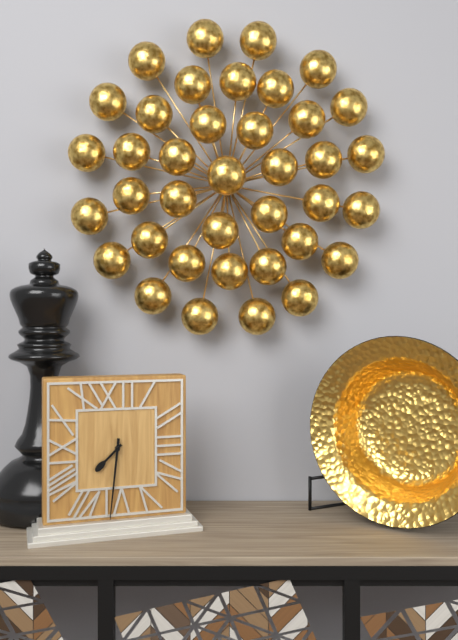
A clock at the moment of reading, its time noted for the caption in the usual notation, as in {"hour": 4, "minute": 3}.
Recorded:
{"hour": 7, "minute": 31}
